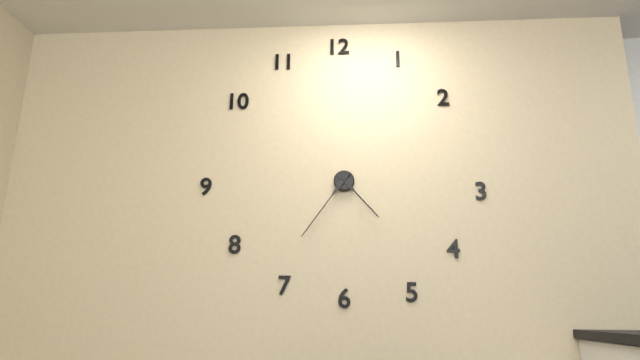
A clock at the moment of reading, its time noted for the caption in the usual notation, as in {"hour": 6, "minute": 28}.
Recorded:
{"hour": 4, "minute": 36}
